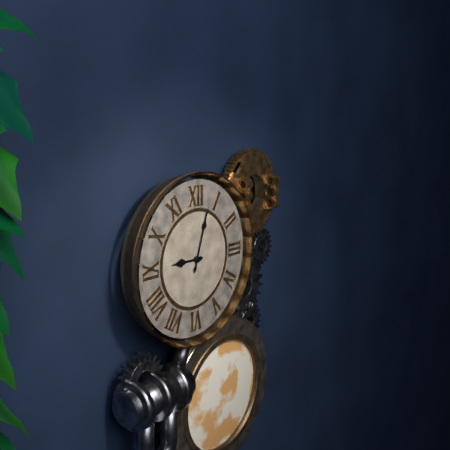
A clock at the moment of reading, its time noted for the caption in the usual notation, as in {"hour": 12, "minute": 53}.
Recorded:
{"hour": 9, "minute": 3}
